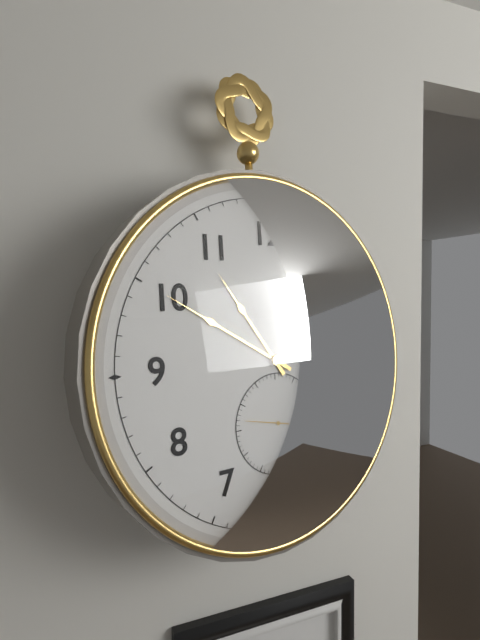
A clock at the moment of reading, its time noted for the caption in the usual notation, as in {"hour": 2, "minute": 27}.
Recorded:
{"hour": 10, "minute": 50}
